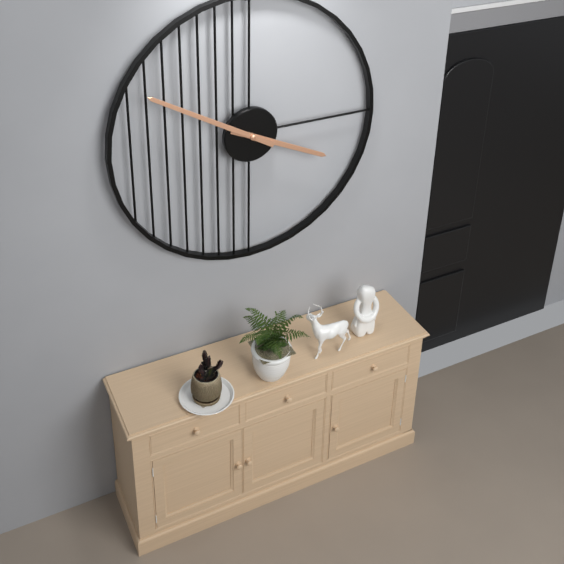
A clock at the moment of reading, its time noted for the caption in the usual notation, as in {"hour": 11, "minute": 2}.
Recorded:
{"hour": 3, "minute": 50}
